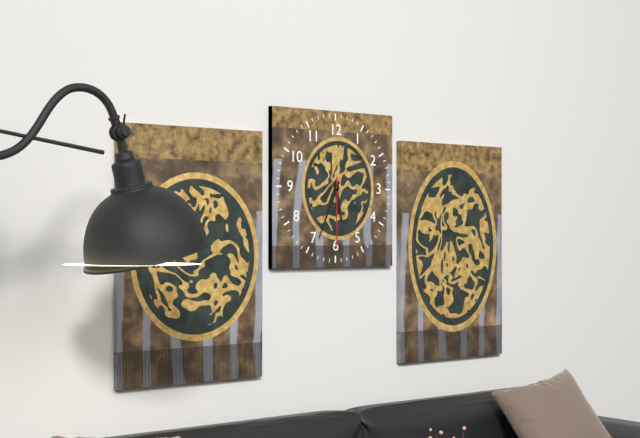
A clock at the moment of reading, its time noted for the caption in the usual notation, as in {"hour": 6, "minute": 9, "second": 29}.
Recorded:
{"hour": 5, "minute": 34, "second": 30}
